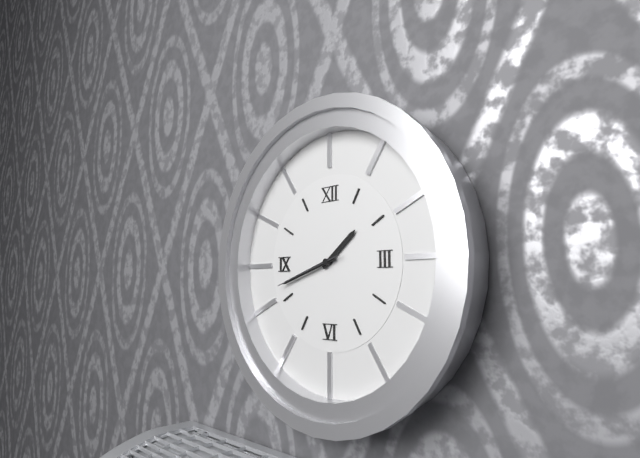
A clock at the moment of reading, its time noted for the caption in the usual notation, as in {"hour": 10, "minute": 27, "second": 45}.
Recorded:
{"hour": 1, "minute": 42, "second": 42}
